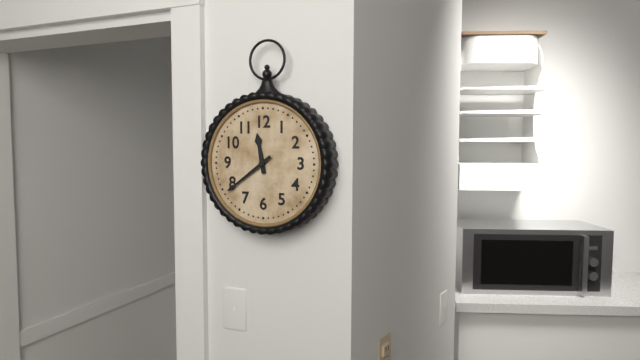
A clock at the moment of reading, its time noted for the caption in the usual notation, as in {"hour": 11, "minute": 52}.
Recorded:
{"hour": 11, "minute": 39}
